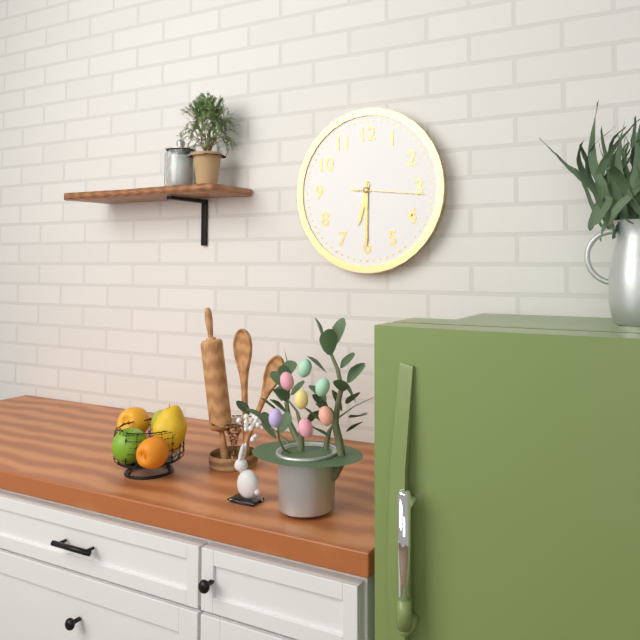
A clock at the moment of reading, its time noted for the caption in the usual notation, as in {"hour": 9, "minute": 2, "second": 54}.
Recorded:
{"hour": 6, "minute": 30, "second": 16}
